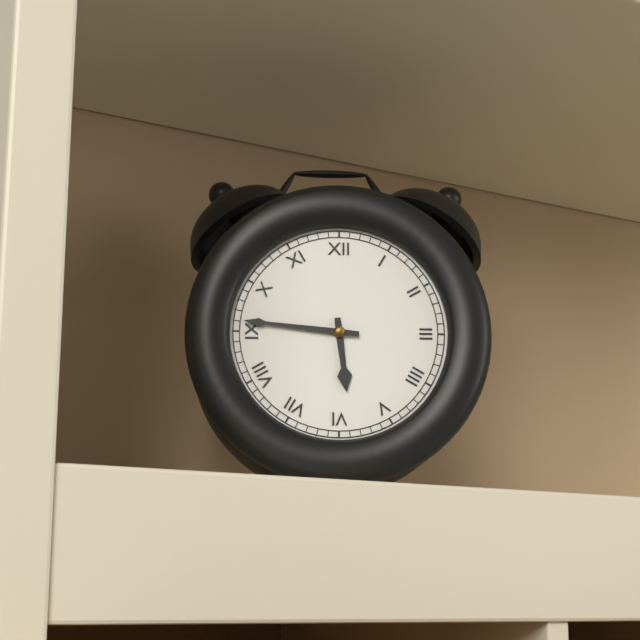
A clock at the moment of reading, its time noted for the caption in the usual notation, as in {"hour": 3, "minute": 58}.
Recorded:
{"hour": 5, "minute": 46}
